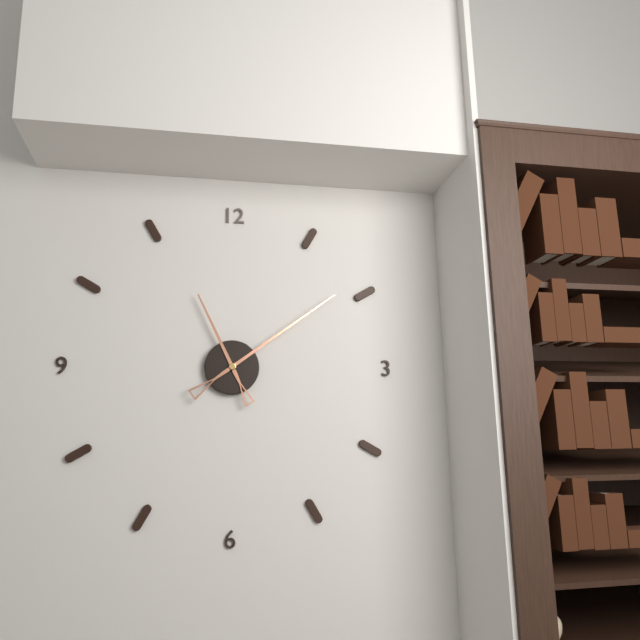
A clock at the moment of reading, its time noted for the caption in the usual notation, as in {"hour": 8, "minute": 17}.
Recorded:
{"hour": 11, "minute": 9}
